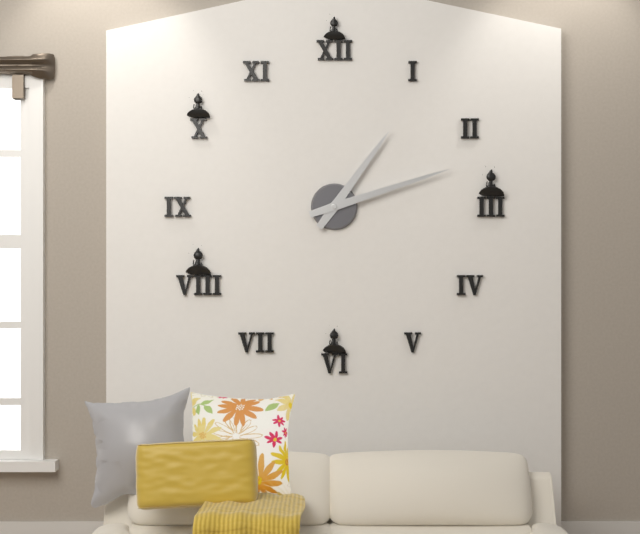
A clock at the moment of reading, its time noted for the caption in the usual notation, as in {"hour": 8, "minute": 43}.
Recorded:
{"hour": 1, "minute": 12}
